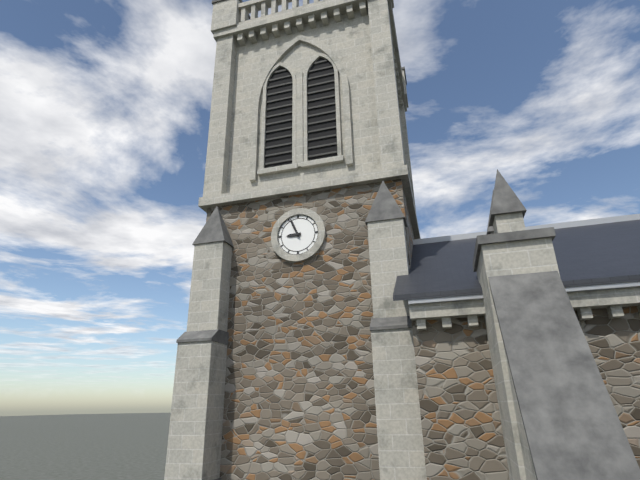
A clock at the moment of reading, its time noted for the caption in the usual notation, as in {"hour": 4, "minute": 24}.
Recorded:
{"hour": 8, "minute": 56}
